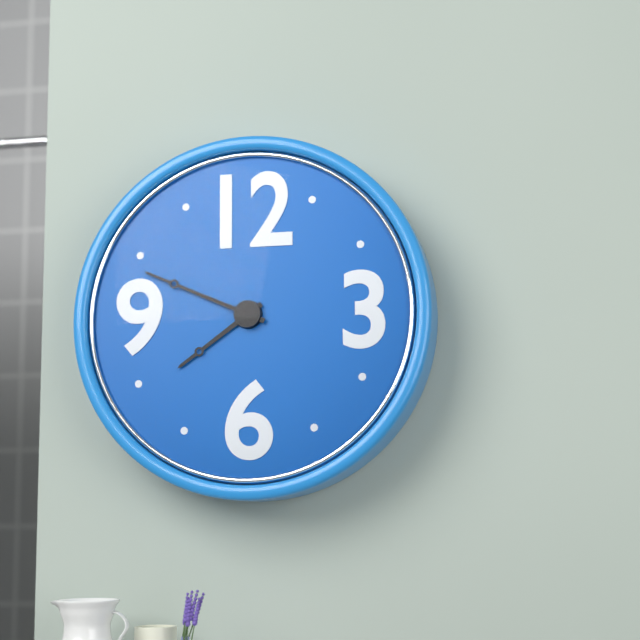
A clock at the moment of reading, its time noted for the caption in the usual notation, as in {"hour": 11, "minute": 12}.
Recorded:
{"hour": 7, "minute": 49}
